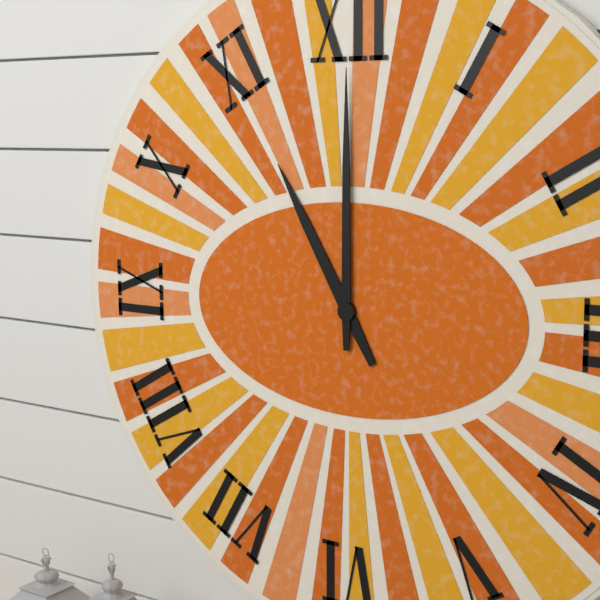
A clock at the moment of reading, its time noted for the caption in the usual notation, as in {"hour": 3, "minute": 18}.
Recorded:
{"hour": 11, "minute": 0}
